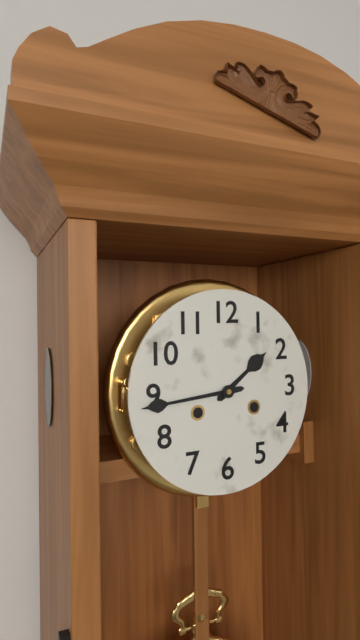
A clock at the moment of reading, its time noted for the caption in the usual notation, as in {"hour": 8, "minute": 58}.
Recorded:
{"hour": 1, "minute": 44}
